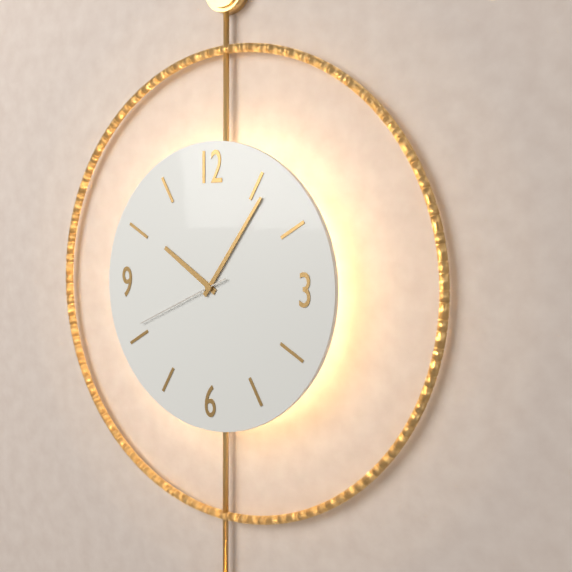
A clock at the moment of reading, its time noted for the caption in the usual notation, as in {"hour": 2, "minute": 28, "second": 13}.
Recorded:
{"hour": 10, "minute": 6, "second": 41}
